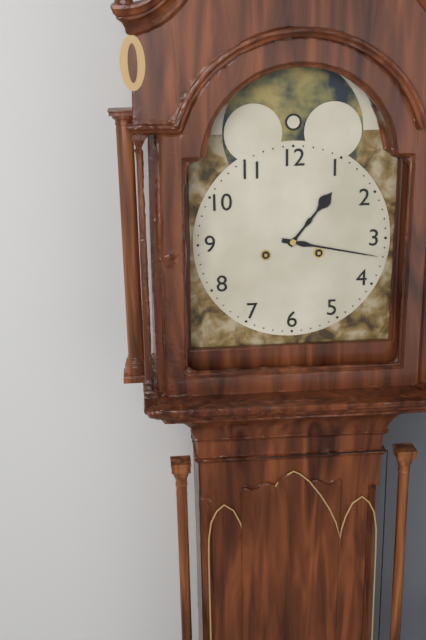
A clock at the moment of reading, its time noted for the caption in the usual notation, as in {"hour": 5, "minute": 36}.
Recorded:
{"hour": 1, "minute": 17}
